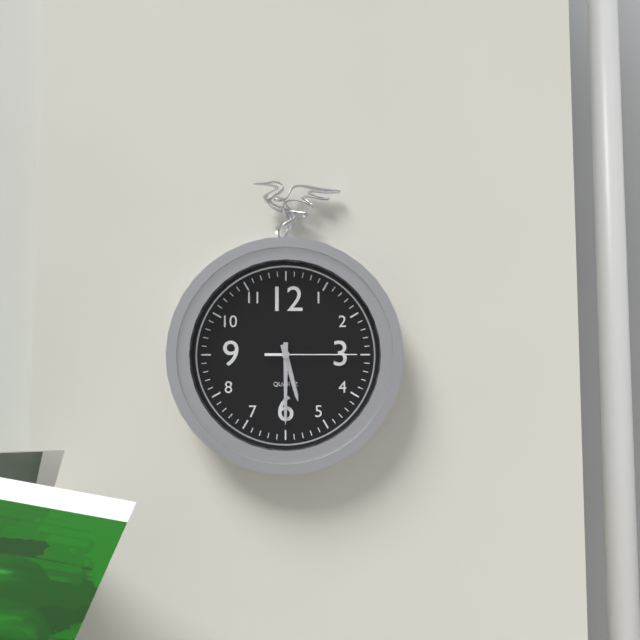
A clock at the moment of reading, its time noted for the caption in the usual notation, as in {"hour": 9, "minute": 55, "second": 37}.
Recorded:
{"hour": 5, "minute": 30, "second": 15}
